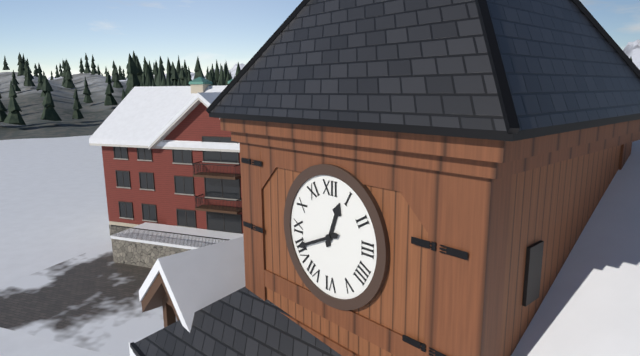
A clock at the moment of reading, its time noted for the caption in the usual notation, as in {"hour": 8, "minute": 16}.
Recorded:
{"hour": 12, "minute": 41}
